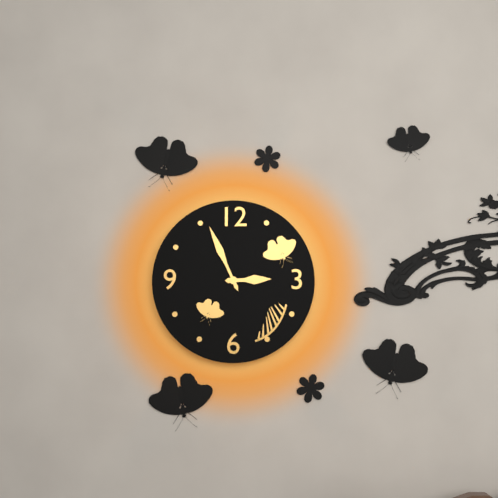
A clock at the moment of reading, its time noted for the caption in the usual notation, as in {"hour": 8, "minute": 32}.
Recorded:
{"hour": 2, "minute": 56}
